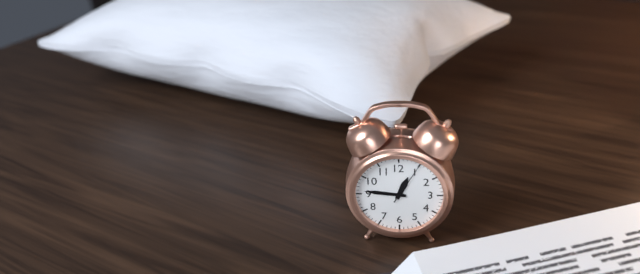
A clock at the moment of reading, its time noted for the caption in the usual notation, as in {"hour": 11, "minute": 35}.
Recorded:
{"hour": 12, "minute": 46}
